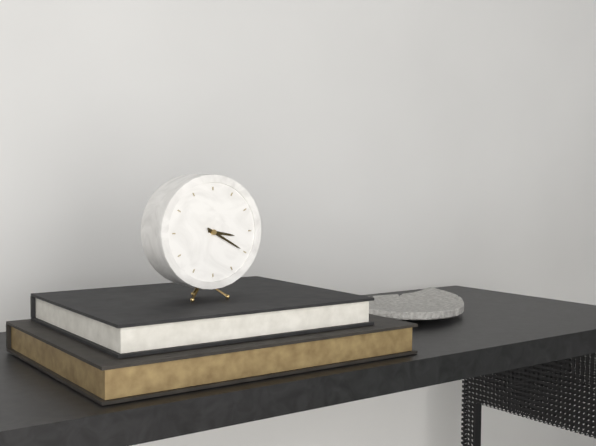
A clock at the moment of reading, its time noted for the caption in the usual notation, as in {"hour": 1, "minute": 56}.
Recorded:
{"hour": 3, "minute": 20}
